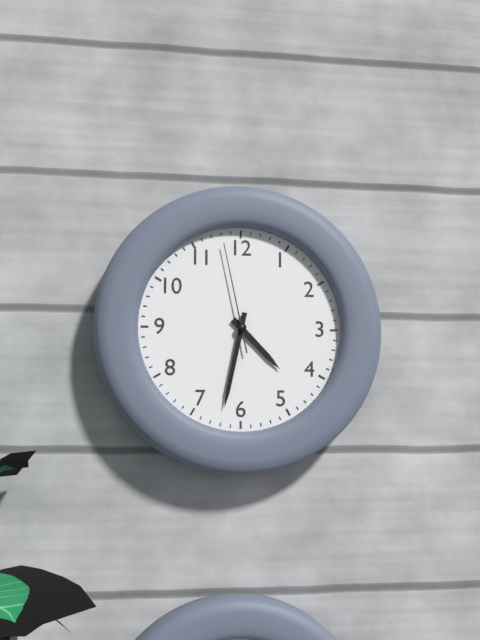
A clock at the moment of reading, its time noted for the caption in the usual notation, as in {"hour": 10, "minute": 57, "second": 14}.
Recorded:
{"hour": 4, "minute": 32, "second": 58}
